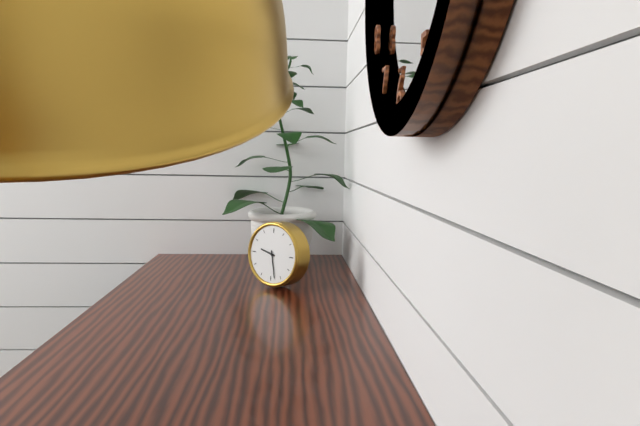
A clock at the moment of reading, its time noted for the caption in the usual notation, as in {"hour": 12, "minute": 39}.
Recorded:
{"hour": 9, "minute": 28}
